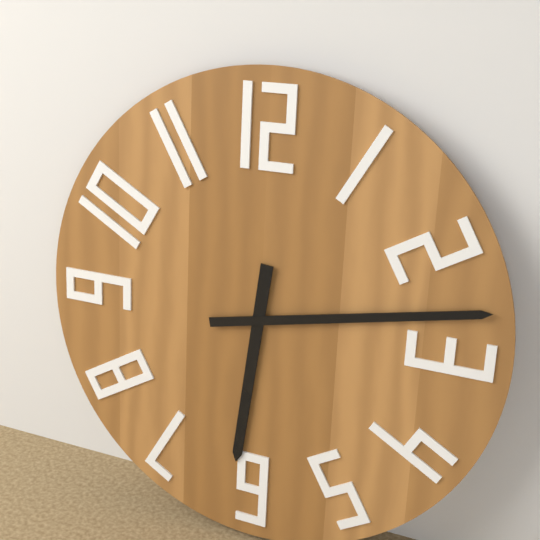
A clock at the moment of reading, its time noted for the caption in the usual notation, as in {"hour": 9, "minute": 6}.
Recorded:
{"hour": 6, "minute": 13}
